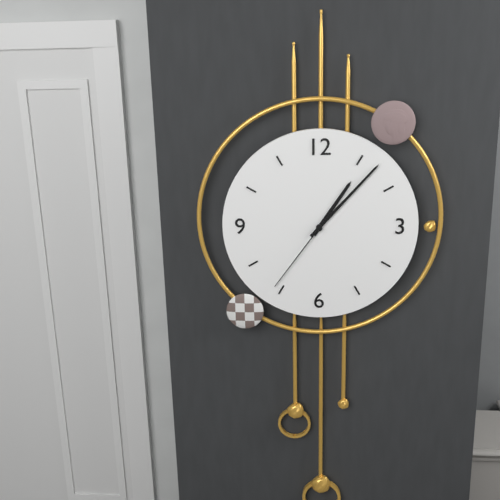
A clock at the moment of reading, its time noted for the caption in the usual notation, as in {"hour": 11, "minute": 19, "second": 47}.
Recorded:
{"hour": 1, "minute": 7, "second": 36}
